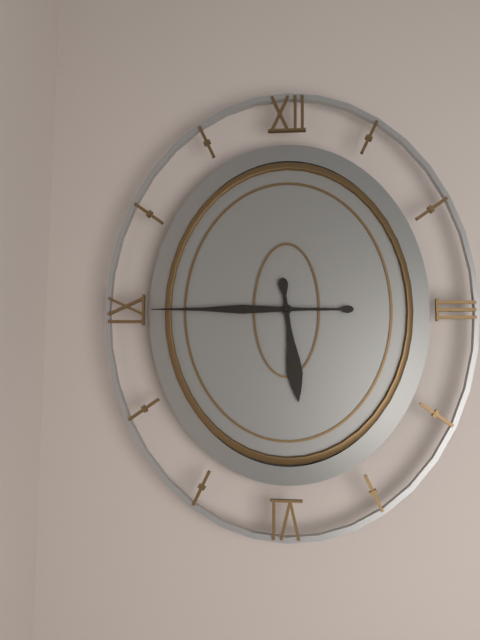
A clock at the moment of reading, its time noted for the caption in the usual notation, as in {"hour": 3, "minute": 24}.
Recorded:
{"hour": 5, "minute": 45}
